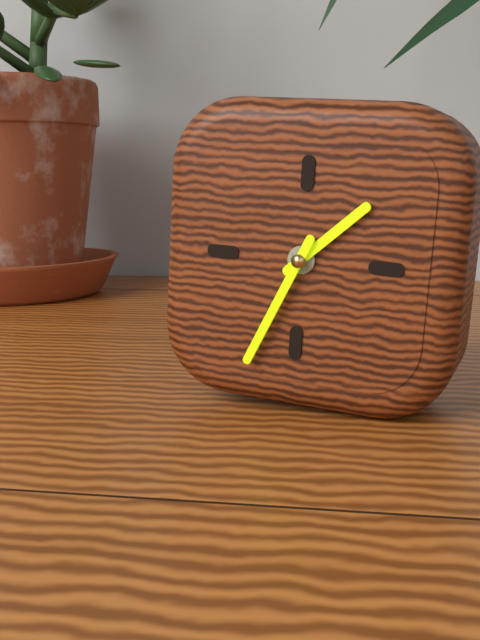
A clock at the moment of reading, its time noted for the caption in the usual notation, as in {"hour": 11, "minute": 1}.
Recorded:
{"hour": 1, "minute": 34}
